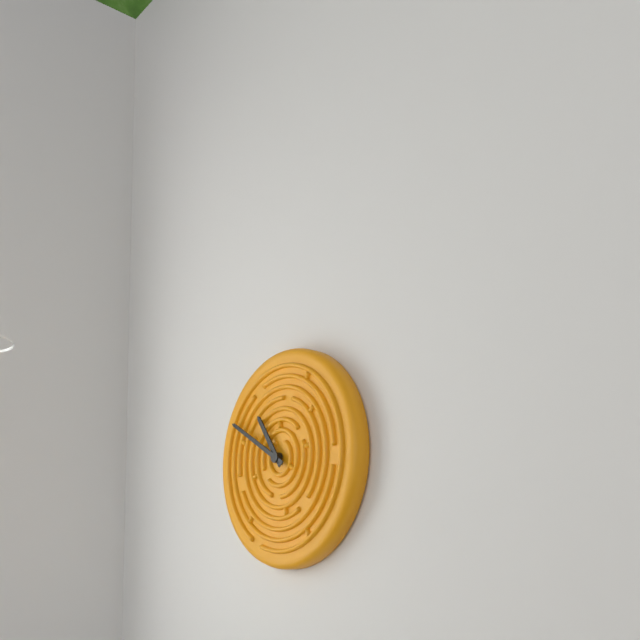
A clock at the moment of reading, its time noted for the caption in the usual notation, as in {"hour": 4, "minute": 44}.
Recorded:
{"hour": 10, "minute": 50}
